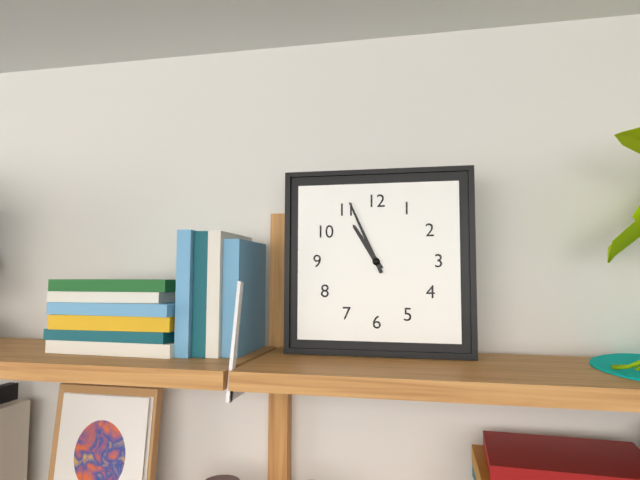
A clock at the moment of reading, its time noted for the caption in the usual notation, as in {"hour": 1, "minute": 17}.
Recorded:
{"hour": 10, "minute": 56}
